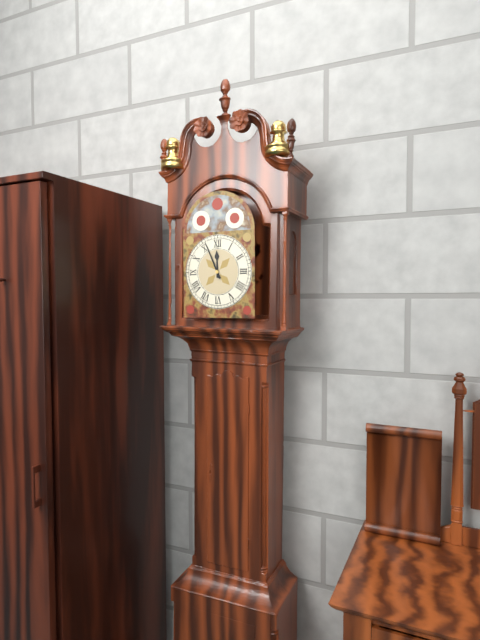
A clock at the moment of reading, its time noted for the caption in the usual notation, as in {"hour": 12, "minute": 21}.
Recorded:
{"hour": 11, "minute": 56}
